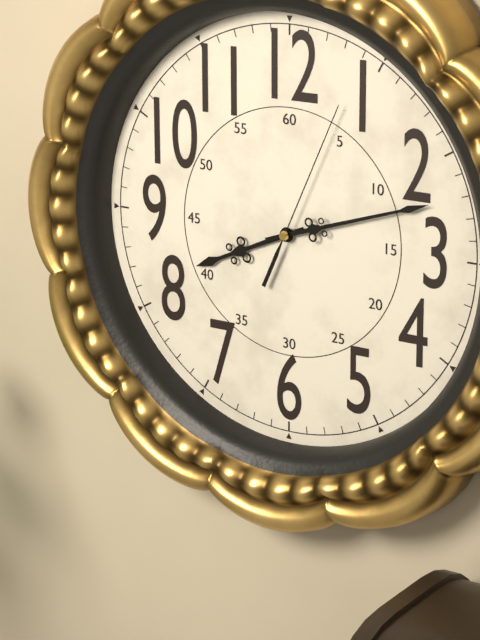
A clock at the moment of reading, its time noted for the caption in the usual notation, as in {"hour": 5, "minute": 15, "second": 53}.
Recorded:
{"hour": 8, "minute": 12, "second": 4}
